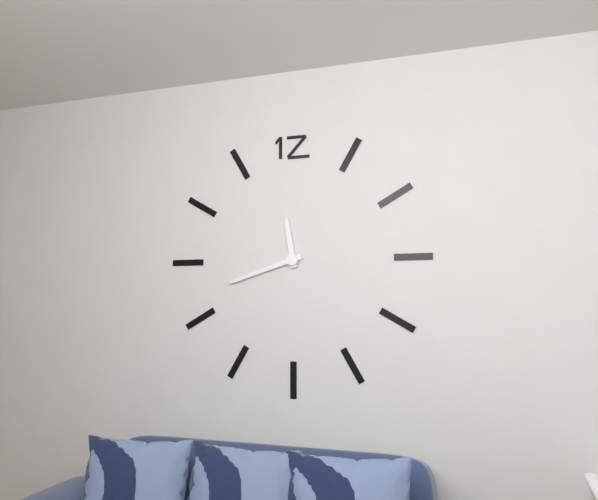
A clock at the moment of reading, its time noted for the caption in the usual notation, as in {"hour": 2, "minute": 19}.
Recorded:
{"hour": 11, "minute": 42}
